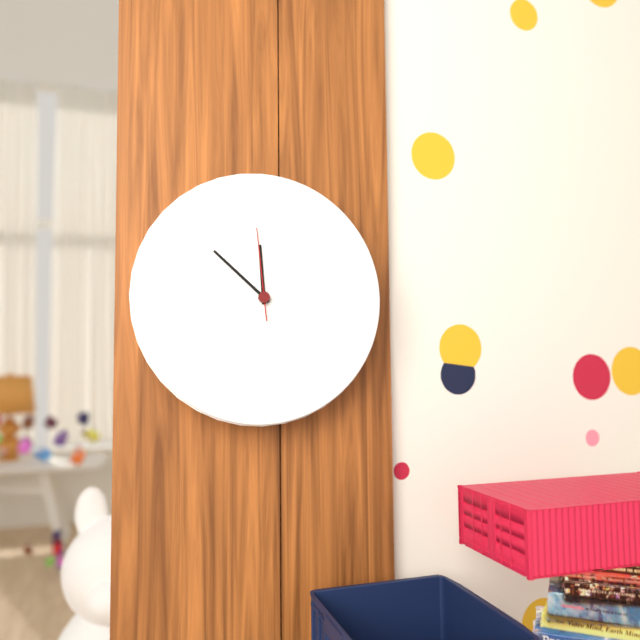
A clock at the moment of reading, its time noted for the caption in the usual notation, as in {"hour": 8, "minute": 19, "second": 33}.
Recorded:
{"hour": 11, "minute": 52, "second": 59}
